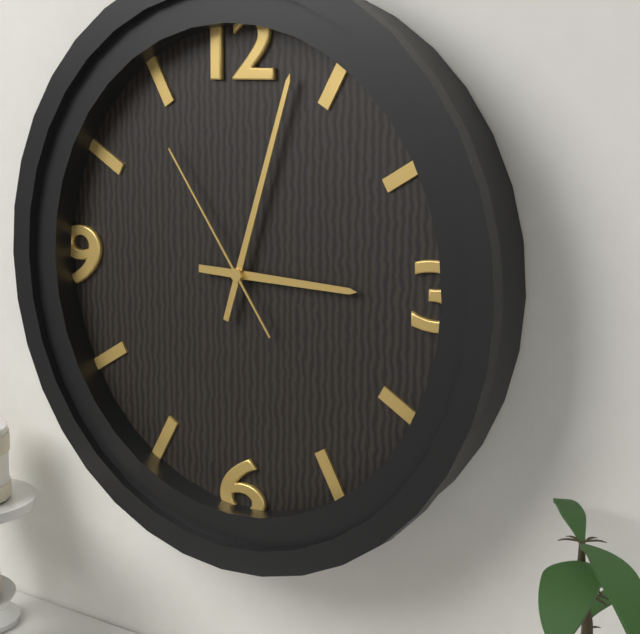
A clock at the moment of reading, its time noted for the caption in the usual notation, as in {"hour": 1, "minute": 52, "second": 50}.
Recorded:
{"hour": 3, "minute": 3, "second": 54}
